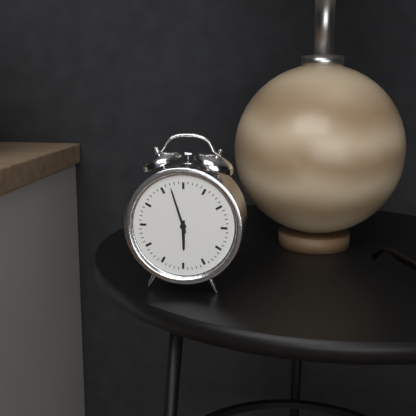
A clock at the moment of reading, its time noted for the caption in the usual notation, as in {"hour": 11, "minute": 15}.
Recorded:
{"hour": 5, "minute": 57}
